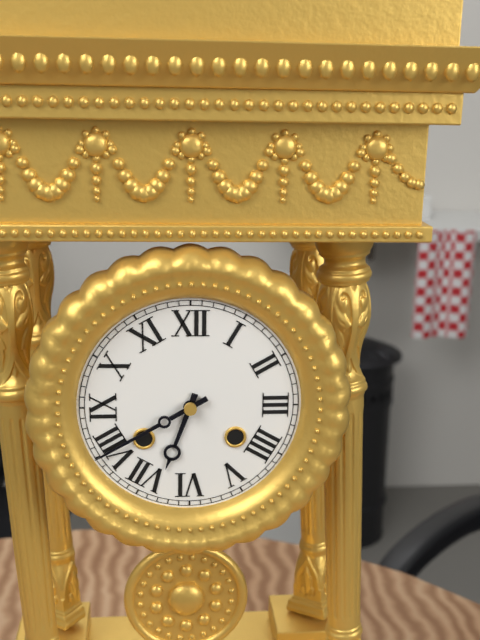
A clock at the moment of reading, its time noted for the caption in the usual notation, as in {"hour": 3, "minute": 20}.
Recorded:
{"hour": 6, "minute": 40}
